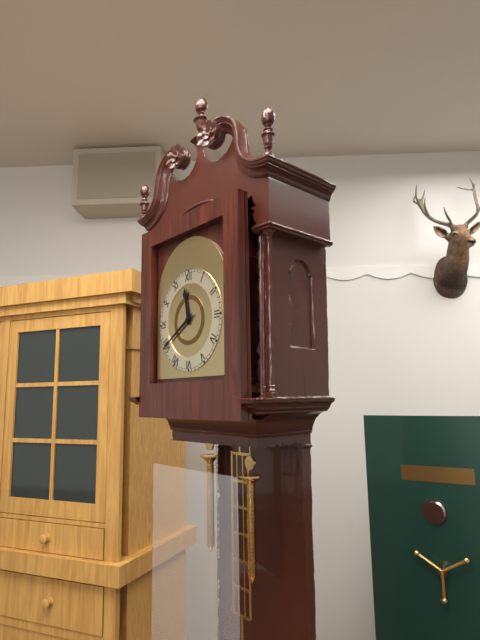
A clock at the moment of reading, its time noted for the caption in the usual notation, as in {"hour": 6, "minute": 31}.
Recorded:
{"hour": 11, "minute": 40}
